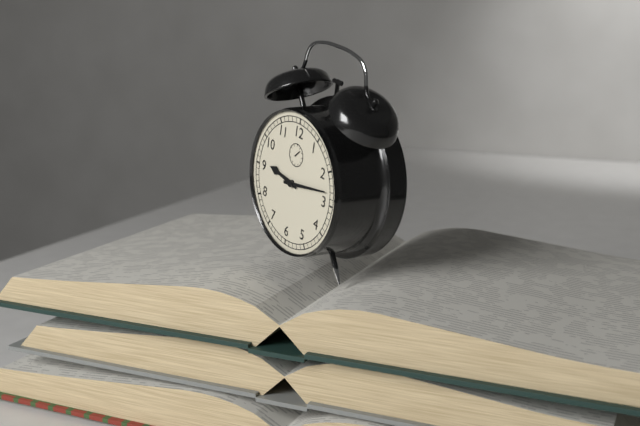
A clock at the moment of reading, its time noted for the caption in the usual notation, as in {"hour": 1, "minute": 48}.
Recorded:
{"hour": 9, "minute": 13}
